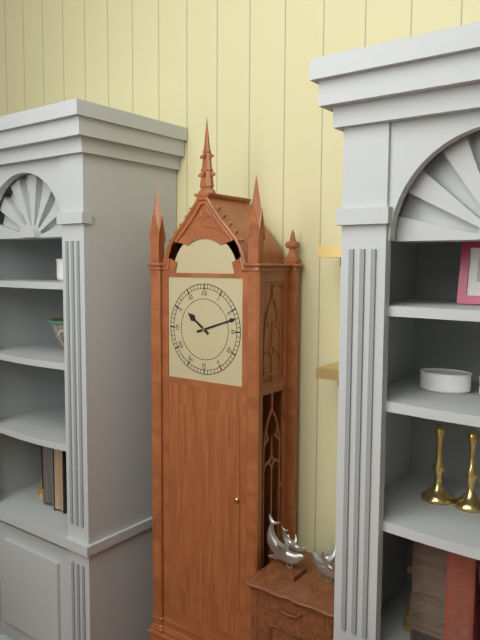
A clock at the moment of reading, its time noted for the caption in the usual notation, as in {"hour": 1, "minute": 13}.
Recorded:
{"hour": 10, "minute": 12}
